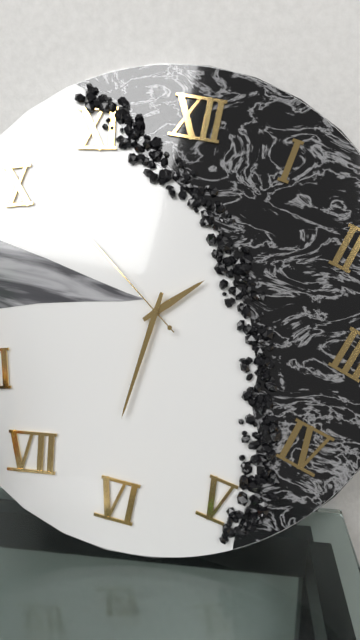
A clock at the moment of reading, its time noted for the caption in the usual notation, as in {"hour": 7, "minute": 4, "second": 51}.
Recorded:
{"hour": 1, "minute": 31, "second": 51}
